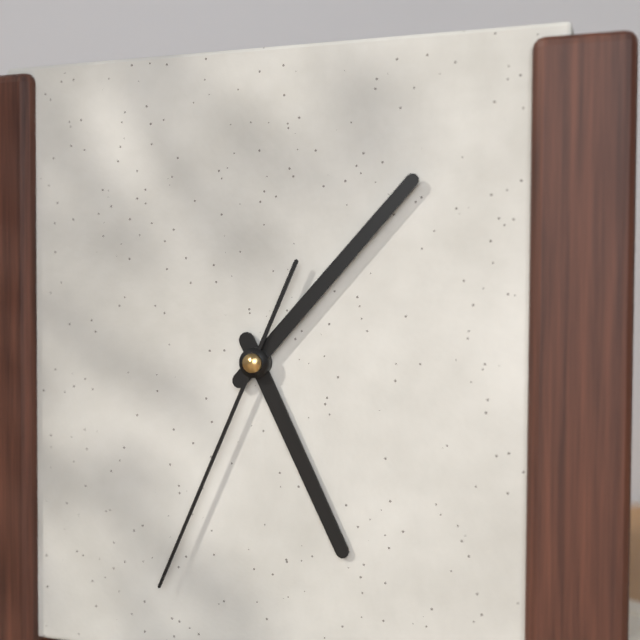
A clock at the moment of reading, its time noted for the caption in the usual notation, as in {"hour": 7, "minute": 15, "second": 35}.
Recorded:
{"hour": 5, "minute": 7, "second": 34}
